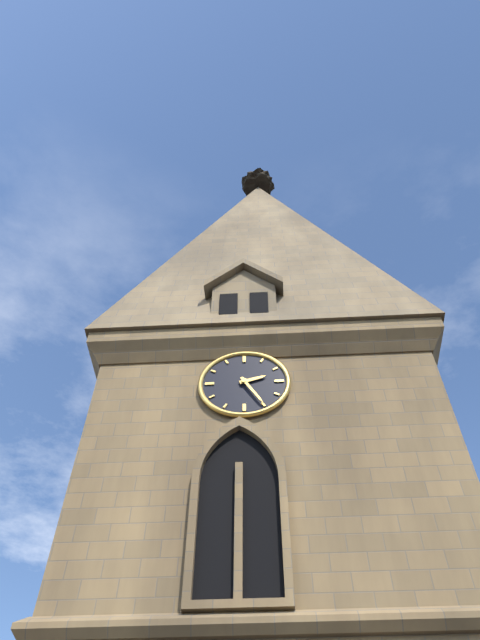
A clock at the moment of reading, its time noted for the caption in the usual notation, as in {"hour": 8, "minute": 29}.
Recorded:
{"hour": 2, "minute": 25}
